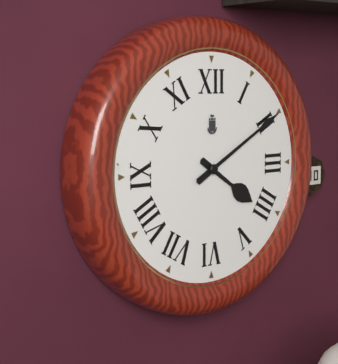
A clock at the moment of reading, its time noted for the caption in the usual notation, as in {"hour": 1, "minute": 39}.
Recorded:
{"hour": 4, "minute": 10}
